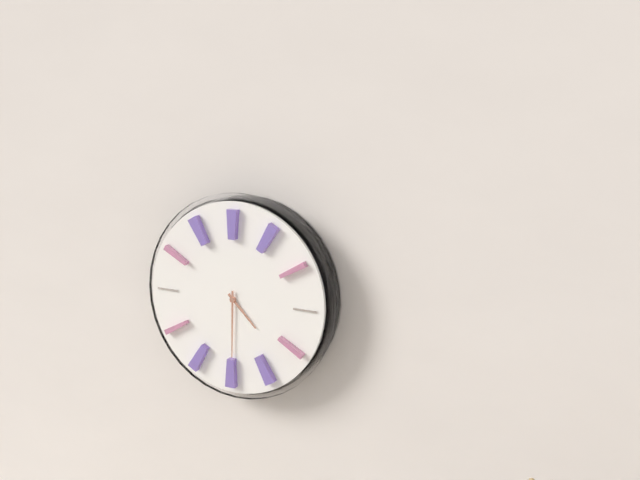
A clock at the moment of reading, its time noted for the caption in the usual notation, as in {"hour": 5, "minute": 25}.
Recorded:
{"hour": 4, "minute": 30}
